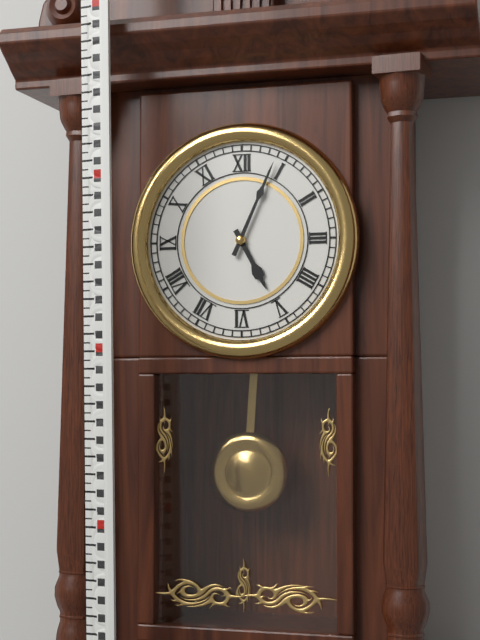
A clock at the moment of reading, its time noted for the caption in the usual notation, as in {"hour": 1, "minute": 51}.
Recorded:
{"hour": 5, "minute": 4}
